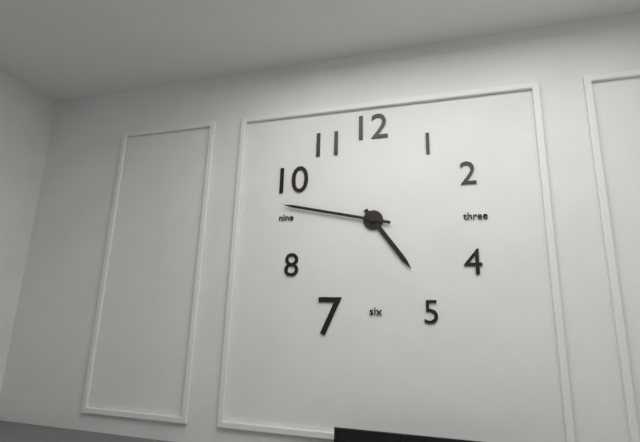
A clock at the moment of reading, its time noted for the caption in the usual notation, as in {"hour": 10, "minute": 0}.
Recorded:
{"hour": 4, "minute": 47}
